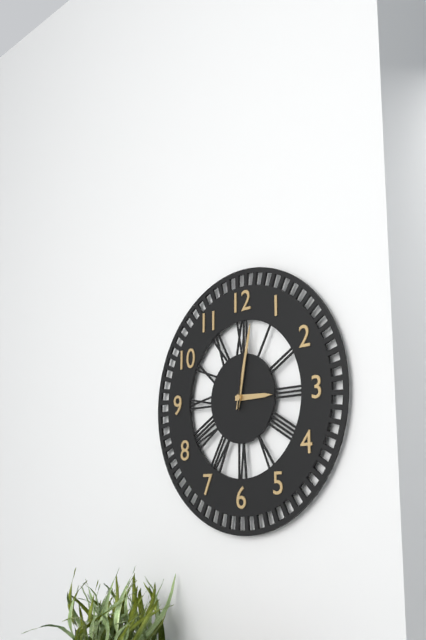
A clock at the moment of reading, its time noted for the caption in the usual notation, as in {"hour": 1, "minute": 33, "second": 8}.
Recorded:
{"hour": 3, "minute": 2, "second": 1}
